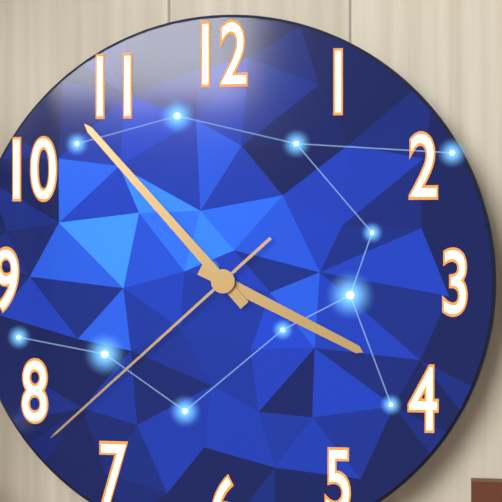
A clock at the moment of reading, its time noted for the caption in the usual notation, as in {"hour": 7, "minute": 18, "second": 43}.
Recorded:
{"hour": 3, "minute": 53, "second": 38}
